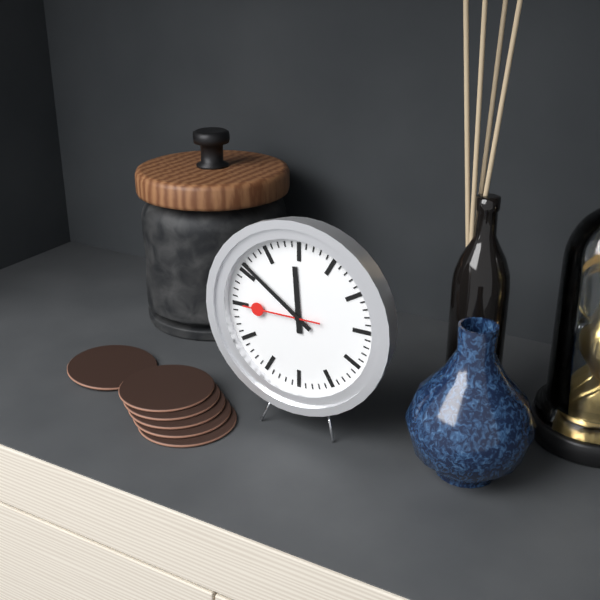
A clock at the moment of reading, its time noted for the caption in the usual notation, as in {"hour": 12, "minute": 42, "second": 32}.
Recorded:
{"hour": 11, "minute": 51, "second": 45}
